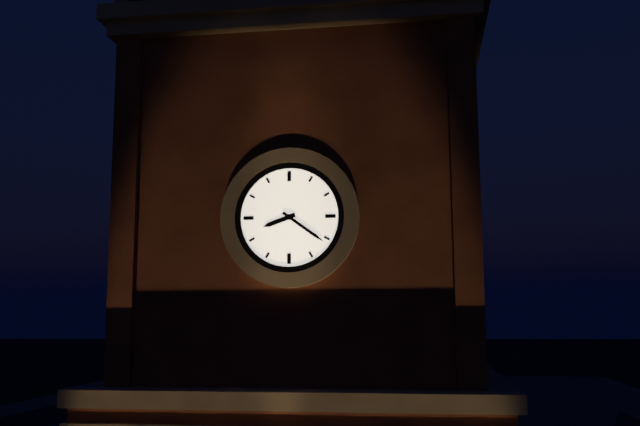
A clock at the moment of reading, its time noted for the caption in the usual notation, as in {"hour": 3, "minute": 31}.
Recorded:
{"hour": 8, "minute": 21}
